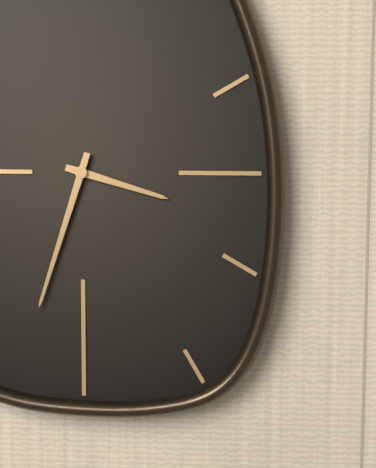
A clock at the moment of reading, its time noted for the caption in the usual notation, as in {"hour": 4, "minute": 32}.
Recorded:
{"hour": 3, "minute": 33}
